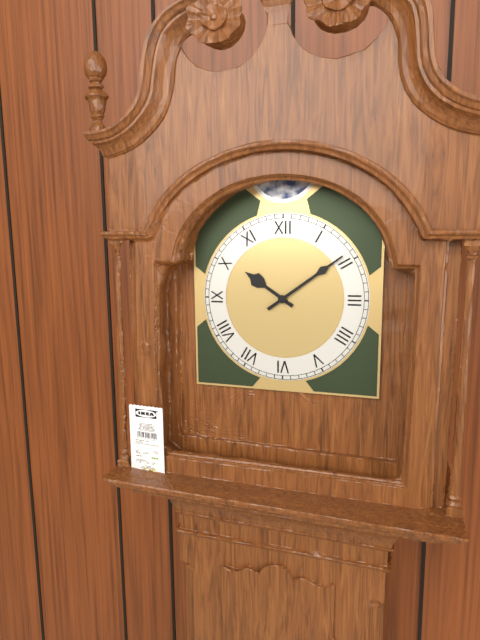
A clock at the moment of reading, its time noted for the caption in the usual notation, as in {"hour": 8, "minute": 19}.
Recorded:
{"hour": 10, "minute": 9}
